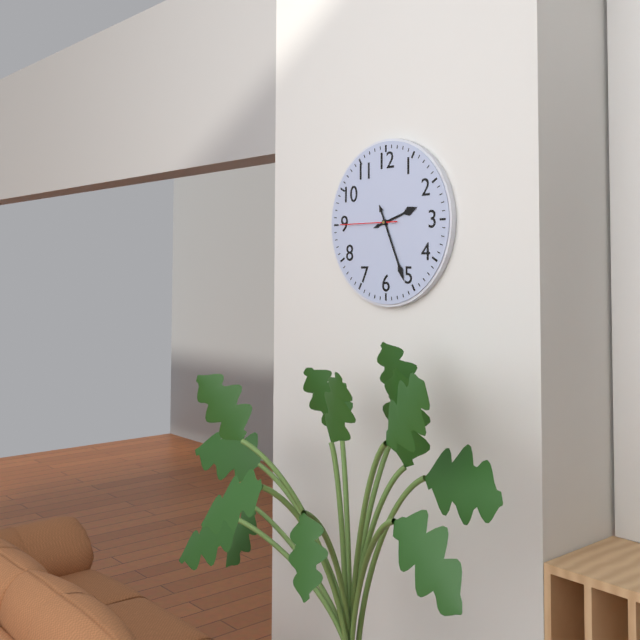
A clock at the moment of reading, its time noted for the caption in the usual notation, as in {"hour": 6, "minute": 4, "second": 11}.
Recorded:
{"hour": 2, "minute": 26, "second": 45}
